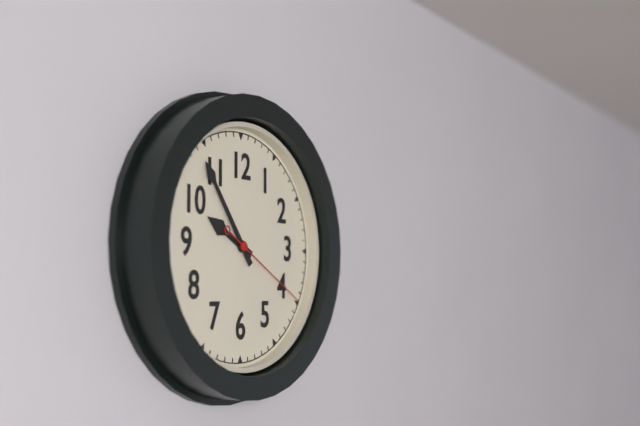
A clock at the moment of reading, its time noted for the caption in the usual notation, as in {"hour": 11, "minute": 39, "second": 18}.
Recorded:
{"hour": 9, "minute": 54, "second": 20}
